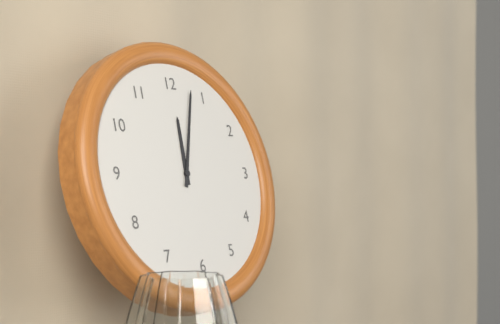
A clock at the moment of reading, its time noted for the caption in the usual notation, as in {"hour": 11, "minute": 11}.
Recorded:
{"hour": 12, "minute": 3}
